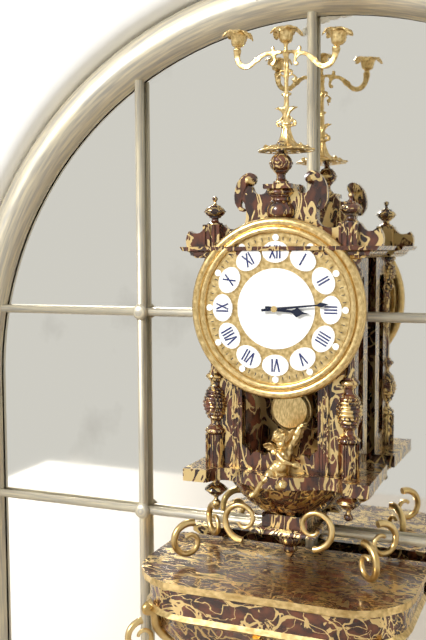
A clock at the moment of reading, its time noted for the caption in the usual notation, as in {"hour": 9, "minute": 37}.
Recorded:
{"hour": 3, "minute": 14}
